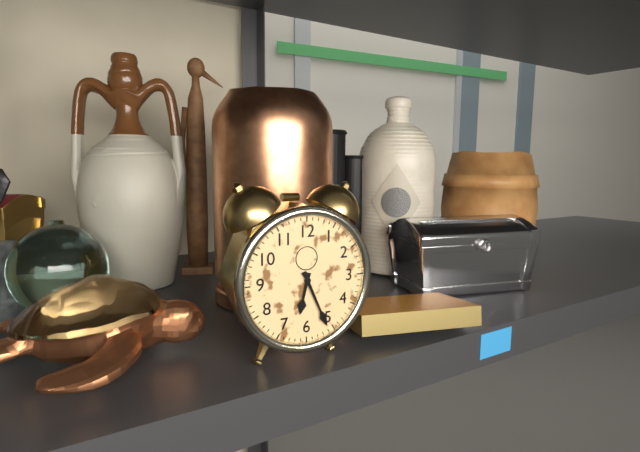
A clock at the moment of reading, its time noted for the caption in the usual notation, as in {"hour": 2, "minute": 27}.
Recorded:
{"hour": 6, "minute": 26}
